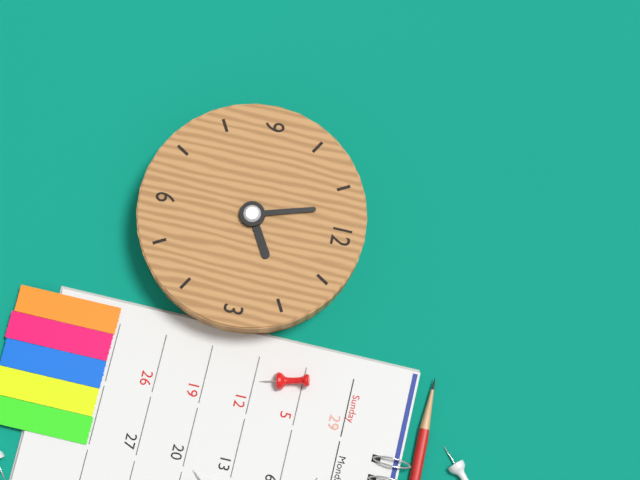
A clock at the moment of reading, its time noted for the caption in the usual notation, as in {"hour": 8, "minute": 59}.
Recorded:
{"hour": 1, "minute": 57}
